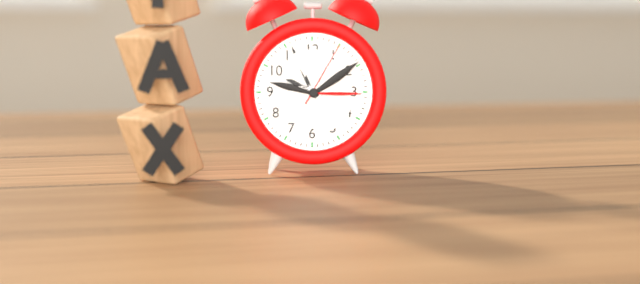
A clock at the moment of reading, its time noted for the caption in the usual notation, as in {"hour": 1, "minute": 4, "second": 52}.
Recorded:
{"hour": 9, "minute": 56, "second": 5}
